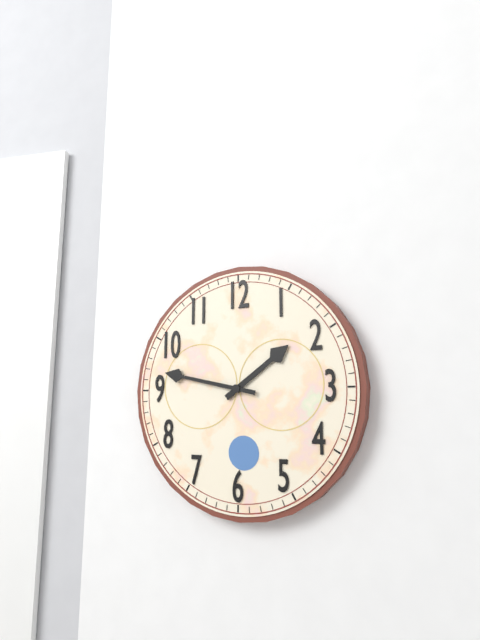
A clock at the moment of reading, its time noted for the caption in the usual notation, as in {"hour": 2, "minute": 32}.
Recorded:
{"hour": 1, "minute": 47}
